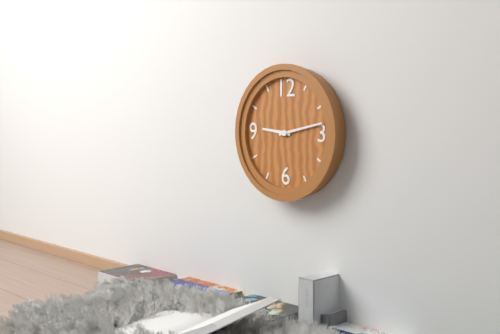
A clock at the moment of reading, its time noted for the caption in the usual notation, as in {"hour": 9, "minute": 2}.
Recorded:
{"hour": 9, "minute": 13}
